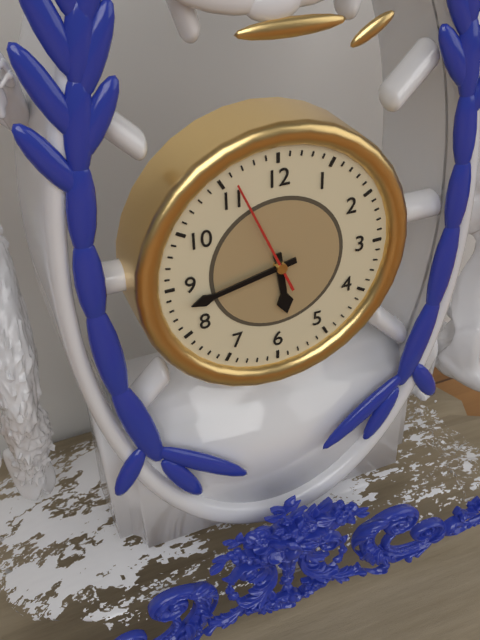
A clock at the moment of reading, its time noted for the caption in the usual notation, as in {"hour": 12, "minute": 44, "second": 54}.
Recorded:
{"hour": 5, "minute": 43, "second": 56}
